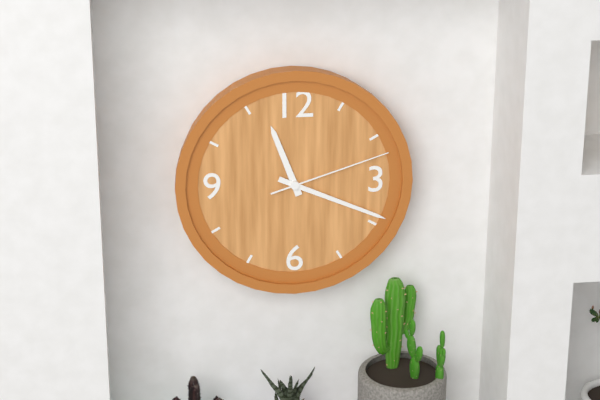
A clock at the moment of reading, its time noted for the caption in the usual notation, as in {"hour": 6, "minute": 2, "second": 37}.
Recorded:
{"hour": 11, "minute": 19, "second": 12}
